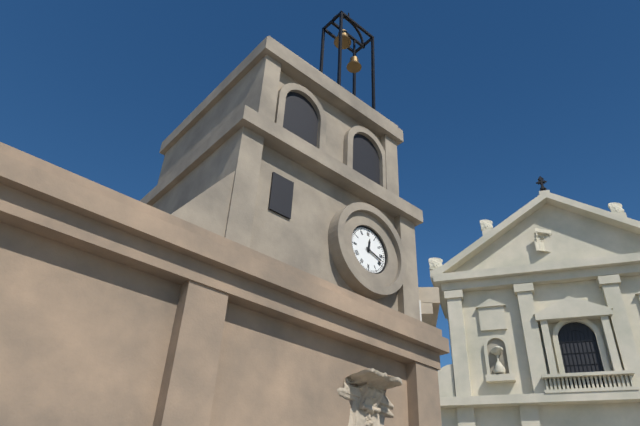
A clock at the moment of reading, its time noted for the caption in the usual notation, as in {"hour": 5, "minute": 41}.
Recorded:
{"hour": 12, "minute": 18}
